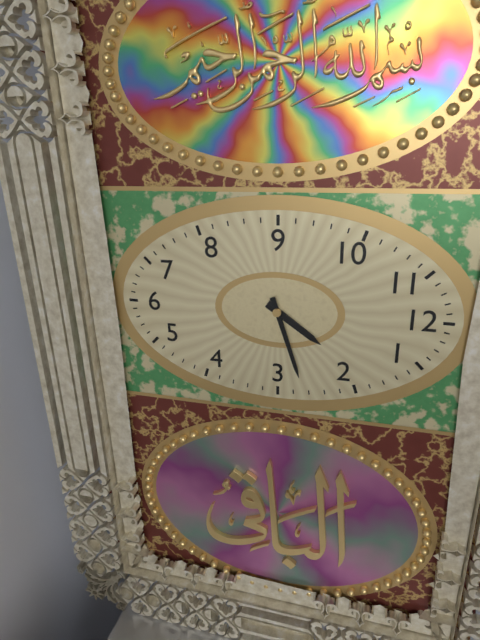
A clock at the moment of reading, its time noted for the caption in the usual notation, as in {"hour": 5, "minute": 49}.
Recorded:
{"hour": 1, "minute": 12}
